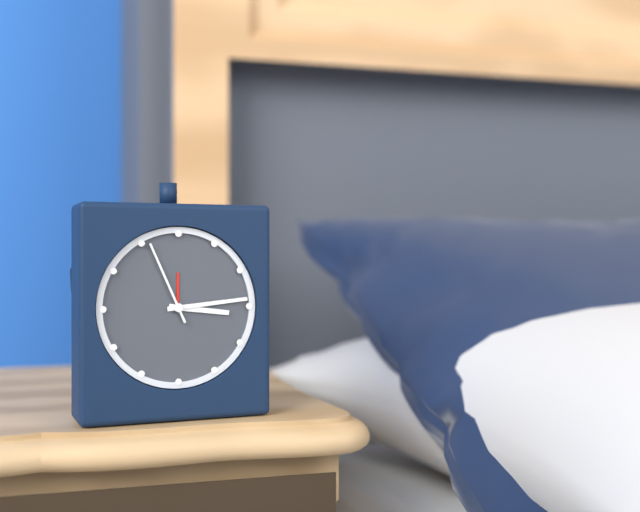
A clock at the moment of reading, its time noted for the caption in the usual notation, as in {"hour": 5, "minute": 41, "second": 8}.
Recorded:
{"hour": 3, "minute": 14, "second": 56}
